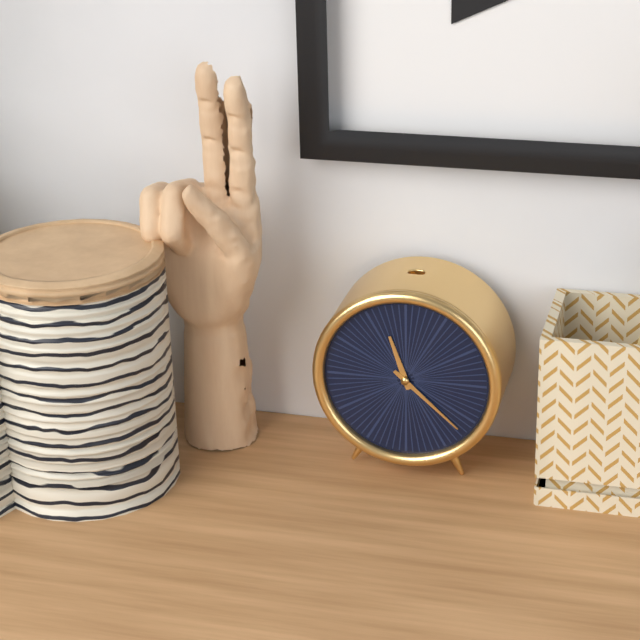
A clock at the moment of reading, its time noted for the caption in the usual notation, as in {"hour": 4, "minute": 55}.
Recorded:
{"hour": 11, "minute": 22}
